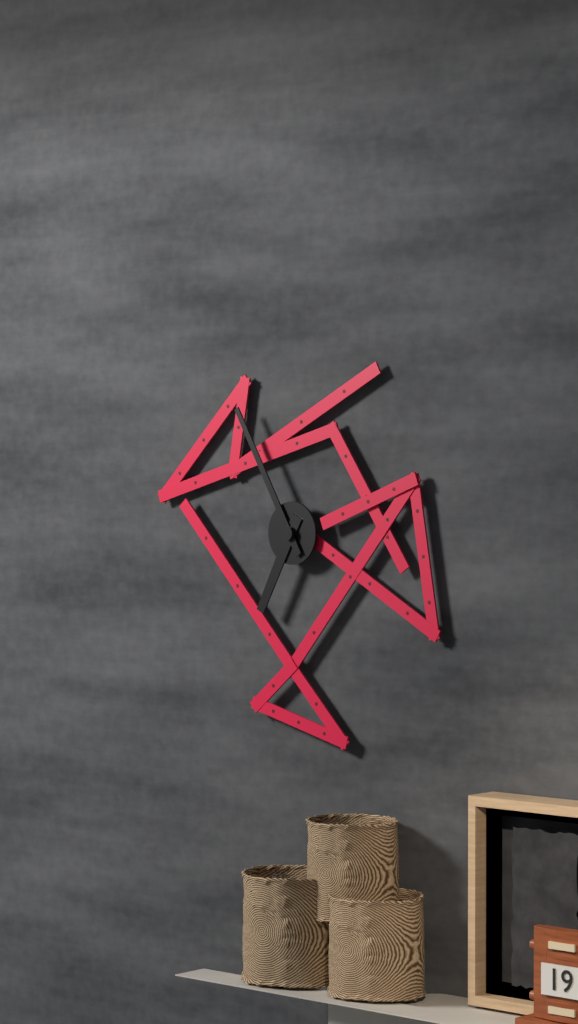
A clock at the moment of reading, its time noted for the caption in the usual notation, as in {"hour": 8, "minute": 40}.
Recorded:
{"hour": 6, "minute": 55}
